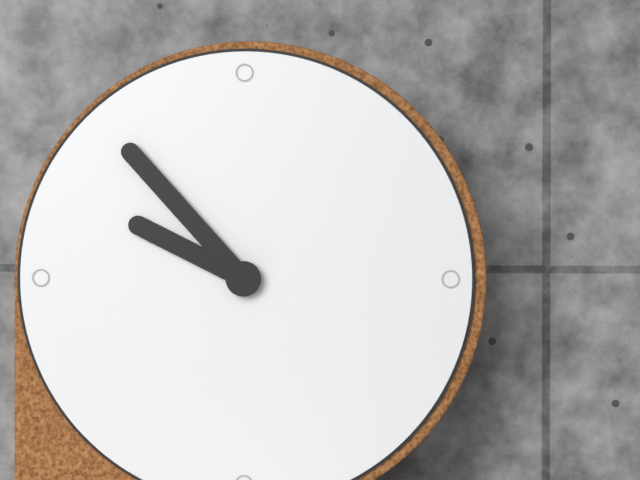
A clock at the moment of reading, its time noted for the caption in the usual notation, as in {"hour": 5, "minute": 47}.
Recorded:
{"hour": 9, "minute": 53}
